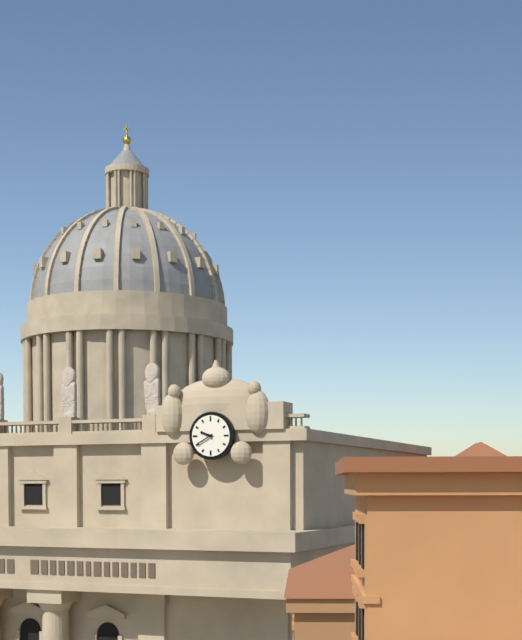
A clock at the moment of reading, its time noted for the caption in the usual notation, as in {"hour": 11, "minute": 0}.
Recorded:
{"hour": 9, "minute": 40}
